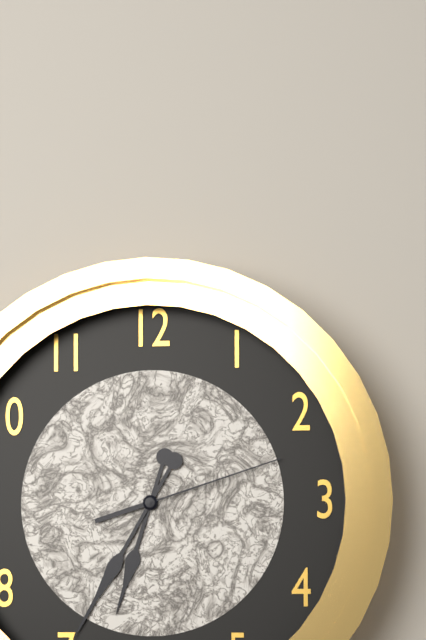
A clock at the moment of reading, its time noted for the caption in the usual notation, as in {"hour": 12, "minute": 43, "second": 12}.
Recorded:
{"hour": 6, "minute": 35, "second": 12}
